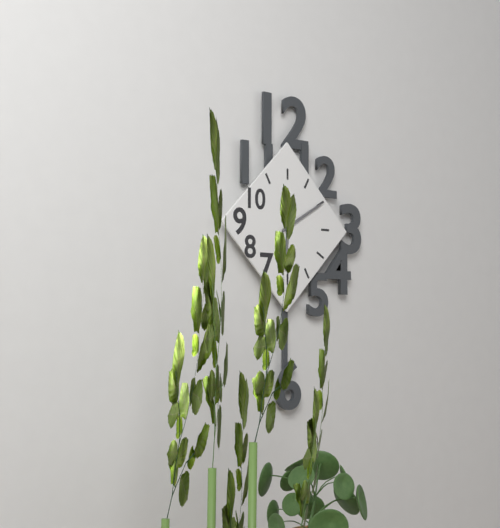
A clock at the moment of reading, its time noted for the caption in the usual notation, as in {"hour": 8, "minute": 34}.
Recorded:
{"hour": 6, "minute": 10}
